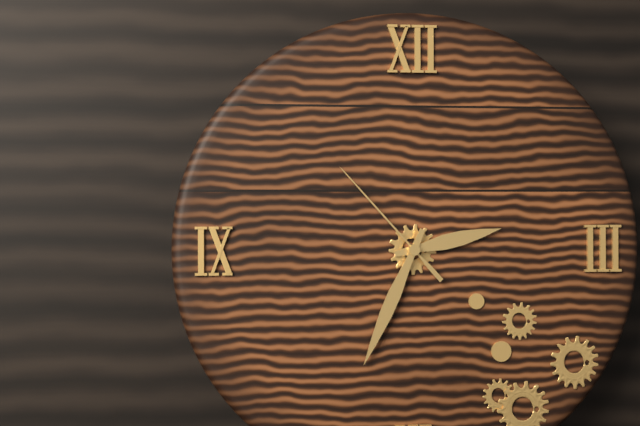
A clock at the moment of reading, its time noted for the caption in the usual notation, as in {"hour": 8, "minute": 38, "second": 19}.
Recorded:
{"hour": 2, "minute": 34, "second": 53}
